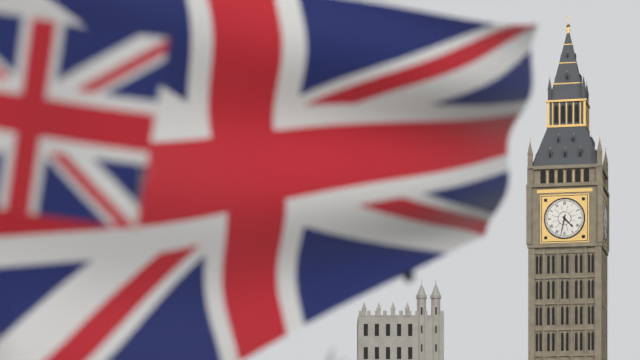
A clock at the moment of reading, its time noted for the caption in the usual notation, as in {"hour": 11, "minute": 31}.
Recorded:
{"hour": 4, "minute": 32}
